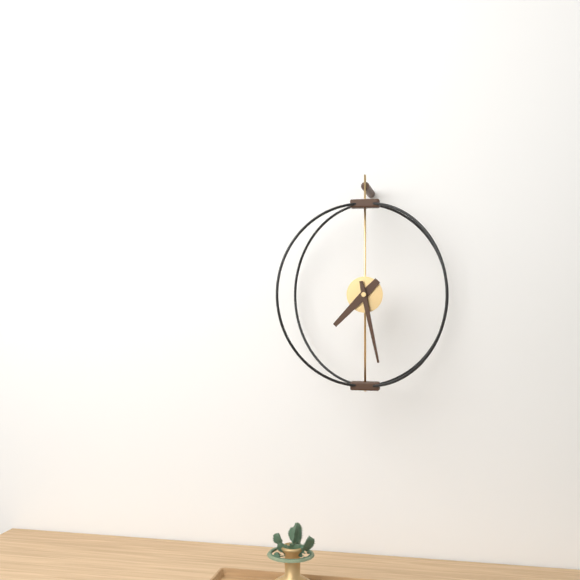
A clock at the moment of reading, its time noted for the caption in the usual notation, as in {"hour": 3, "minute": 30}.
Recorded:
{"hour": 7, "minute": 28}
